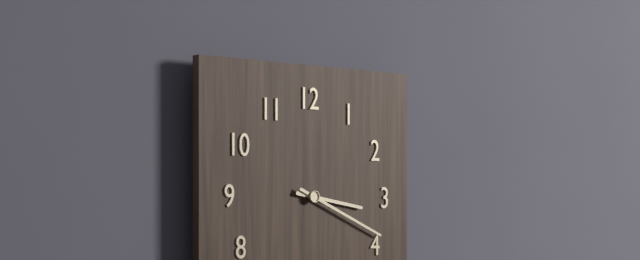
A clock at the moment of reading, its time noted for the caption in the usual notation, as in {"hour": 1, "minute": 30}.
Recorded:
{"hour": 3, "minute": 19}
